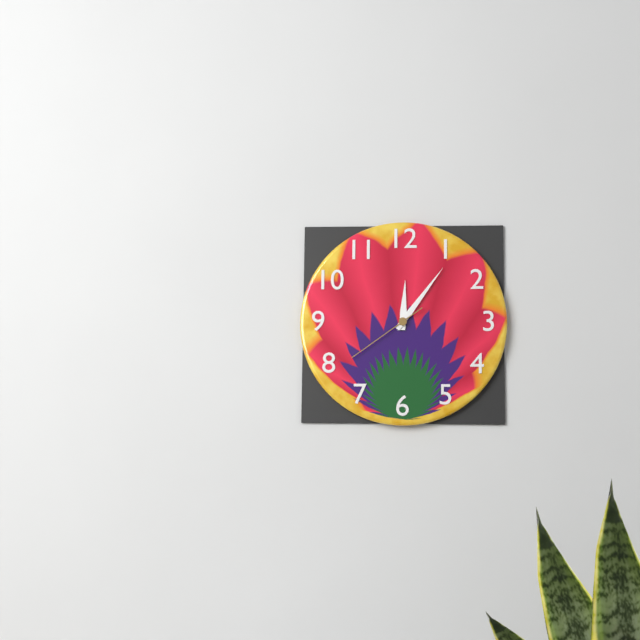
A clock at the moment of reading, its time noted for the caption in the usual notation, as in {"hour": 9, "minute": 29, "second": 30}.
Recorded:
{"hour": 12, "minute": 6, "second": 39}
